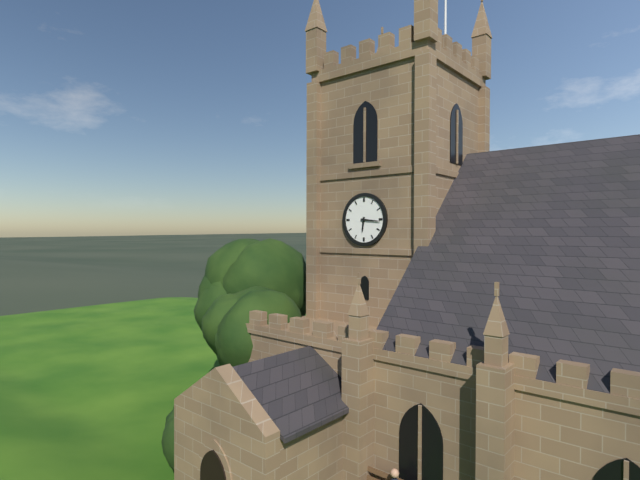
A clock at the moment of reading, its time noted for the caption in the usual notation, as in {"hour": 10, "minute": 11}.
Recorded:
{"hour": 6, "minute": 16}
